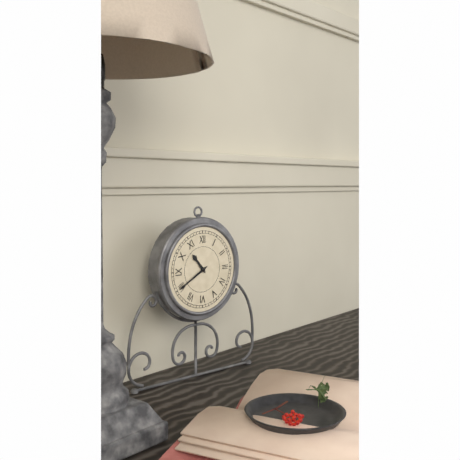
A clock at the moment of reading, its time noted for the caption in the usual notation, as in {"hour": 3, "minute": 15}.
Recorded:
{"hour": 10, "minute": 40}
